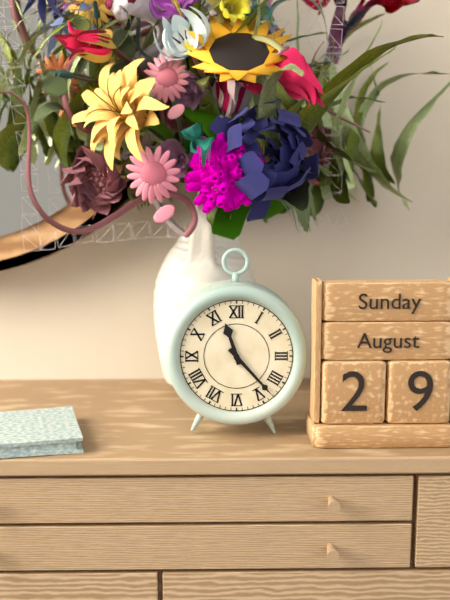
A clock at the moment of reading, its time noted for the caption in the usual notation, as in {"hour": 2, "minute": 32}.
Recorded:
{"hour": 11, "minute": 23}
